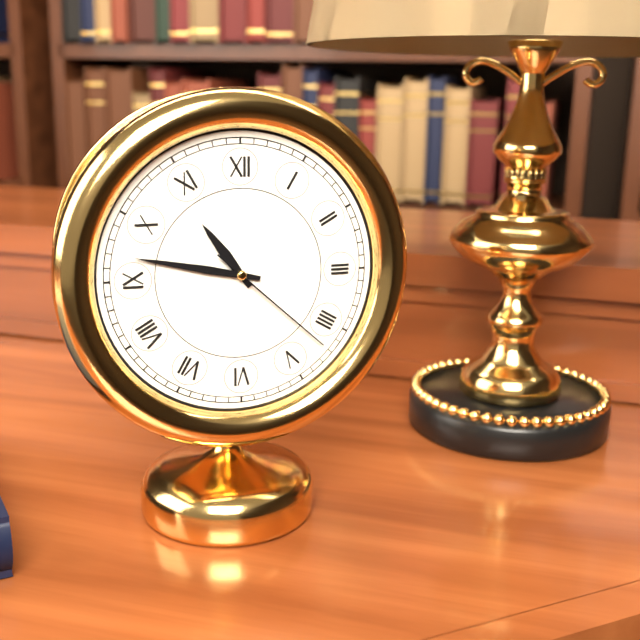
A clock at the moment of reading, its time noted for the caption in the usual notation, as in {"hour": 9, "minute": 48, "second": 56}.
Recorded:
{"hour": 10, "minute": 47, "second": 22}
